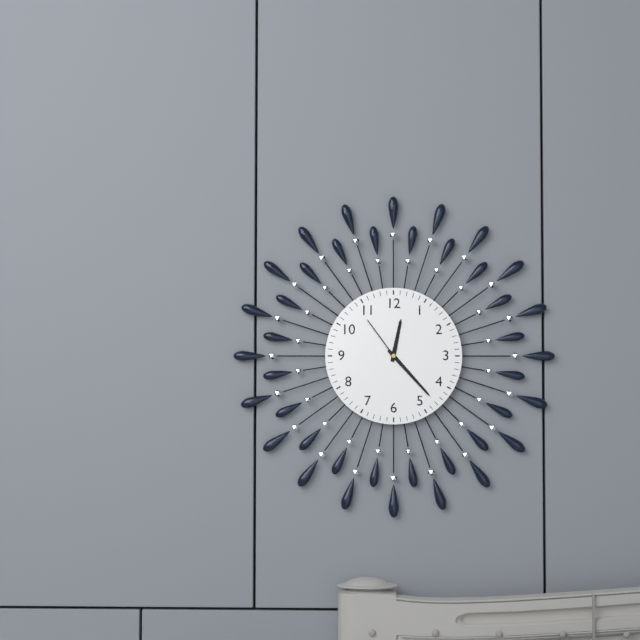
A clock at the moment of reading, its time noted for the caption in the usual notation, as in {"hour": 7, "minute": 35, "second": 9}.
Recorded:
{"hour": 12, "minute": 23, "second": 54}
